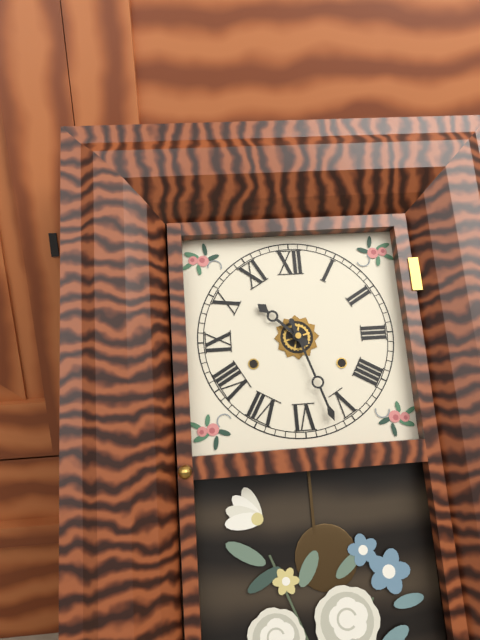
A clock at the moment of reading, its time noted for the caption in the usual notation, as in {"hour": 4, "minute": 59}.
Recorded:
{"hour": 10, "minute": 27}
